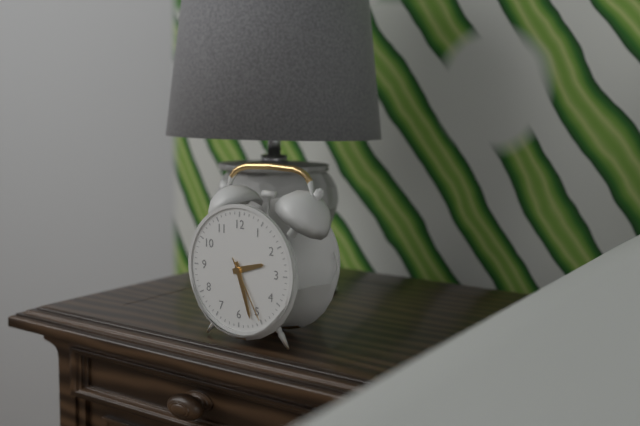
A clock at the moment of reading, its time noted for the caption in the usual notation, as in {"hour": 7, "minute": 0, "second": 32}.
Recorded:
{"hour": 2, "minute": 27, "second": 25}
